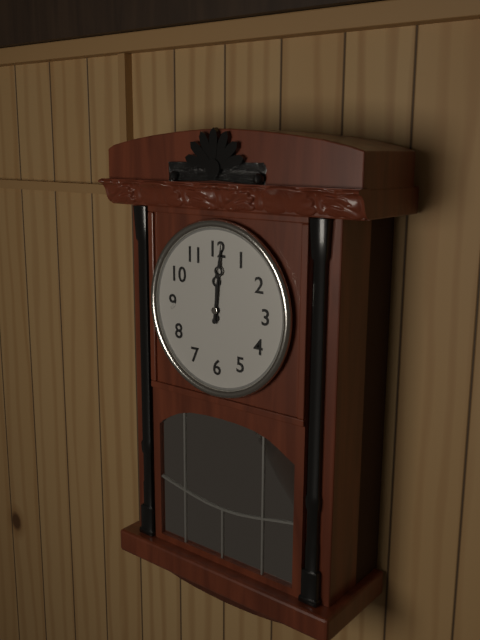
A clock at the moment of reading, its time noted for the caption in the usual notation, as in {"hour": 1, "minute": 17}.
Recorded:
{"hour": 12, "minute": 1}
